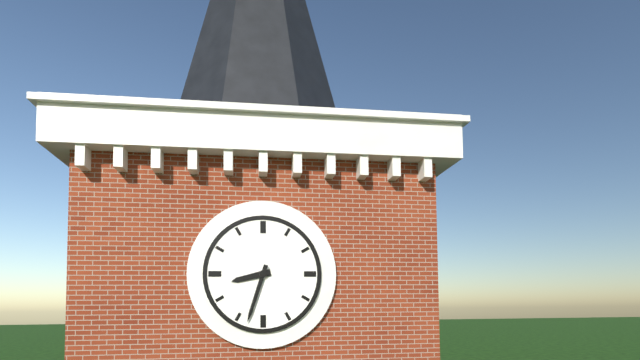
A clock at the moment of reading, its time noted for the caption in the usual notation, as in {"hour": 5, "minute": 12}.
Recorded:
{"hour": 8, "minute": 33}
